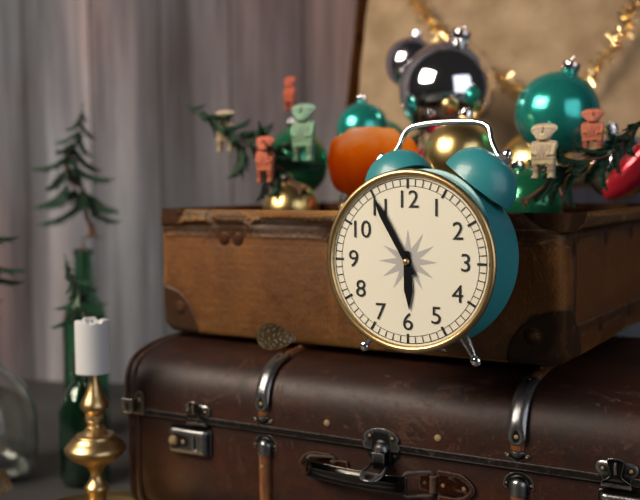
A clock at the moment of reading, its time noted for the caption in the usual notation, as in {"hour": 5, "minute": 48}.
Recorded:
{"hour": 5, "minute": 55}
